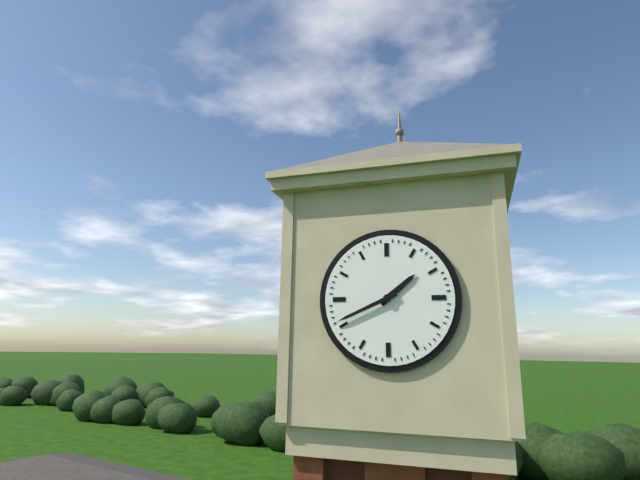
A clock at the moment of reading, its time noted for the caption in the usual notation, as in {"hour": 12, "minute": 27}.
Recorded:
{"hour": 1, "minute": 41}
